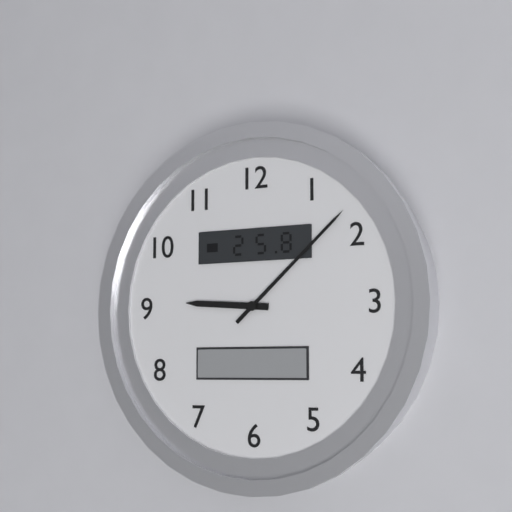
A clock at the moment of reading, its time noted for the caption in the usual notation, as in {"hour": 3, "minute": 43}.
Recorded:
{"hour": 9, "minute": 8}
